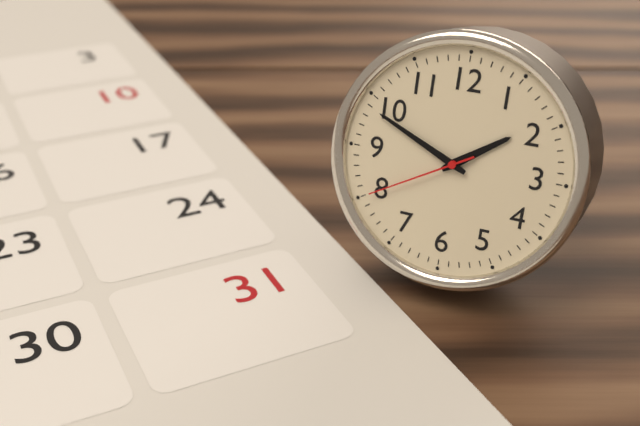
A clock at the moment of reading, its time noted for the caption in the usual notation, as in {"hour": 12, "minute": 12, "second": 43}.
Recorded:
{"hour": 1, "minute": 49, "second": 40}
